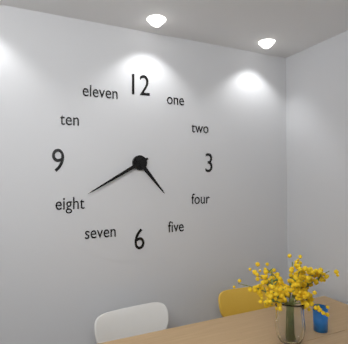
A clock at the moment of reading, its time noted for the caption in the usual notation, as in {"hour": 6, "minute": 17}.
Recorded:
{"hour": 4, "minute": 40}
